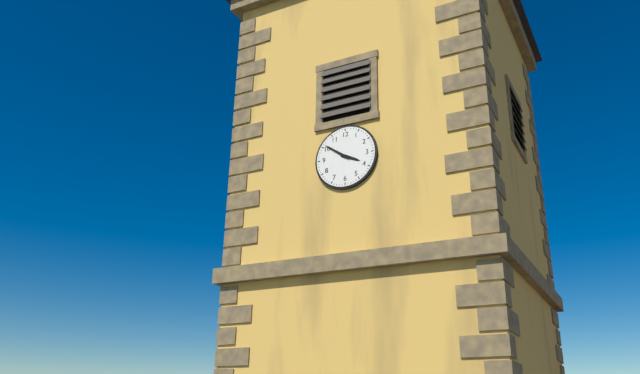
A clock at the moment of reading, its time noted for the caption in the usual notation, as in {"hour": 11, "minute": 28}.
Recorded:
{"hour": 3, "minute": 51}
